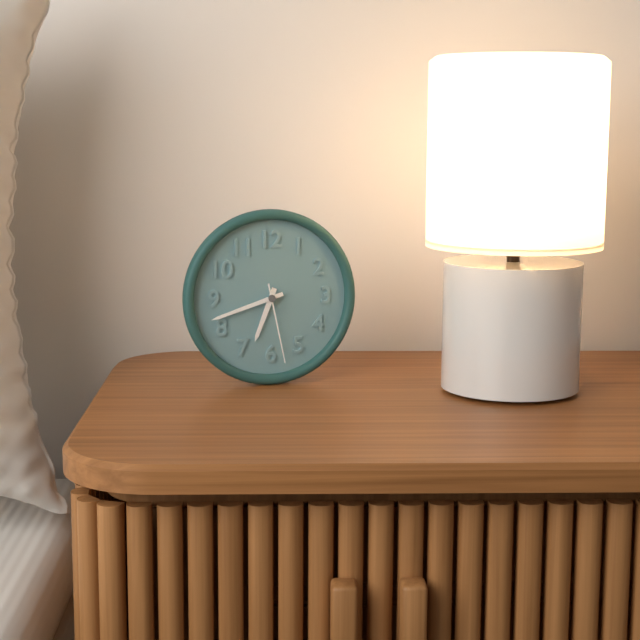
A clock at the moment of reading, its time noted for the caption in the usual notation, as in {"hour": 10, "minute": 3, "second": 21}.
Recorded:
{"hour": 6, "minute": 42, "second": 28}
